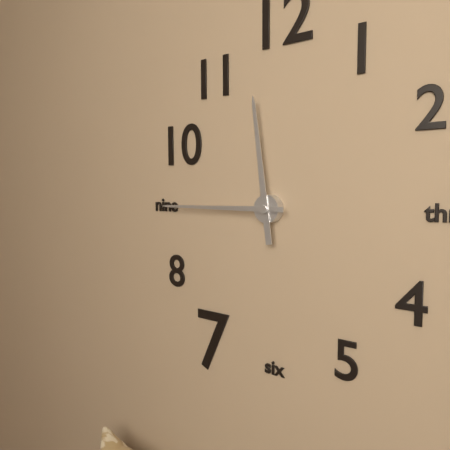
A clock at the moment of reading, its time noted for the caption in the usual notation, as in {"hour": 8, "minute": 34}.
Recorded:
{"hour": 11, "minute": 45}
